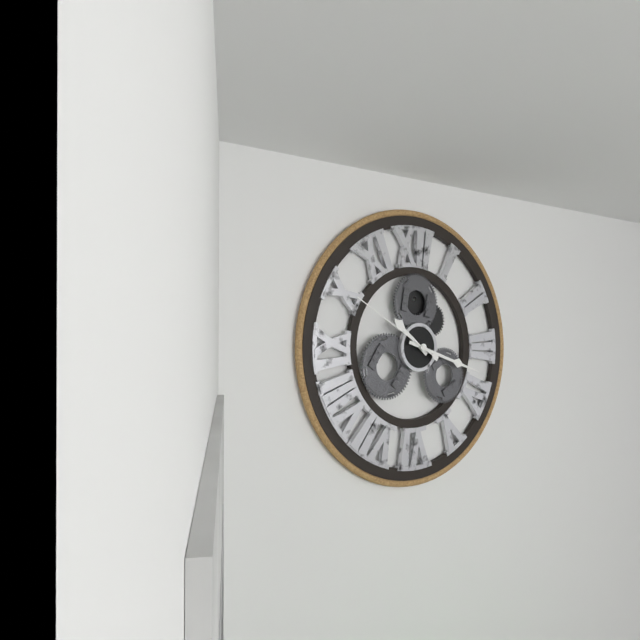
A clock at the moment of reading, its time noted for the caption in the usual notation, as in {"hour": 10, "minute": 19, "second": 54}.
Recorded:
{"hour": 10, "minute": 18, "second": 50}
